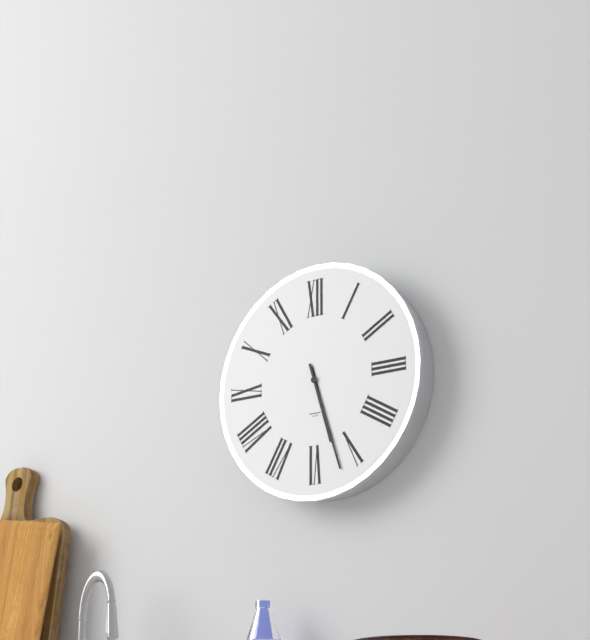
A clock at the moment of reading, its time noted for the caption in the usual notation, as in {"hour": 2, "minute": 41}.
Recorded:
{"hour": 5, "minute": 27}
